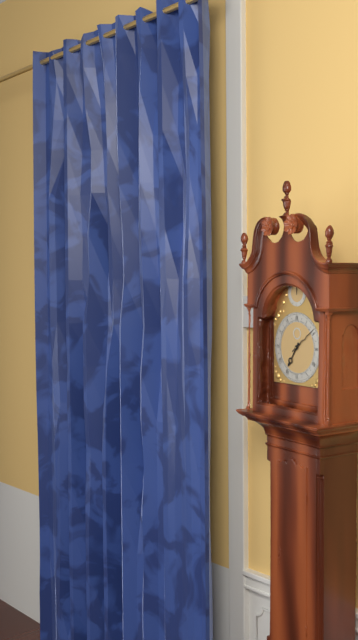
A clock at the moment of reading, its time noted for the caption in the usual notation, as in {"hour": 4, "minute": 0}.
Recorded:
{"hour": 7, "minute": 9}
